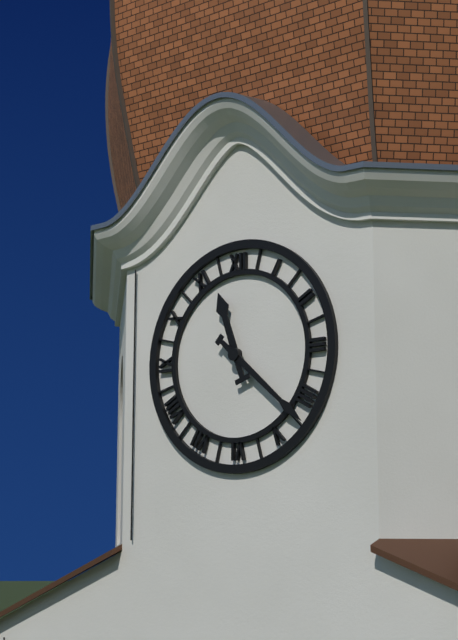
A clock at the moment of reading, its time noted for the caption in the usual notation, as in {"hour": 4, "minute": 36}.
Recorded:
{"hour": 11, "minute": 22}
